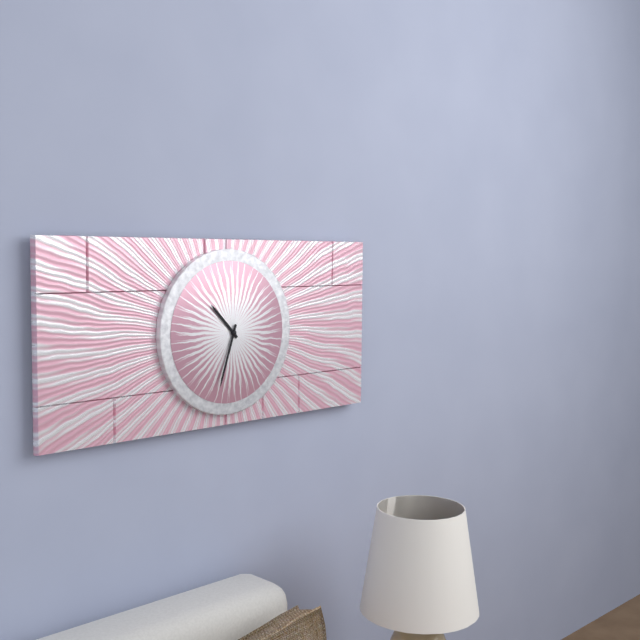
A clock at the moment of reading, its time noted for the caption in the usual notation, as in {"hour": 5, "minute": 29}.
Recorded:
{"hour": 10, "minute": 33}
